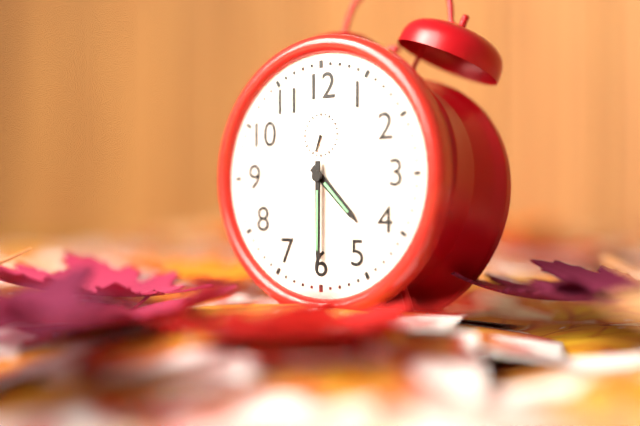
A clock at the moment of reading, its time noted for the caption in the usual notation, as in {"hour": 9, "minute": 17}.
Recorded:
{"hour": 4, "minute": 30}
